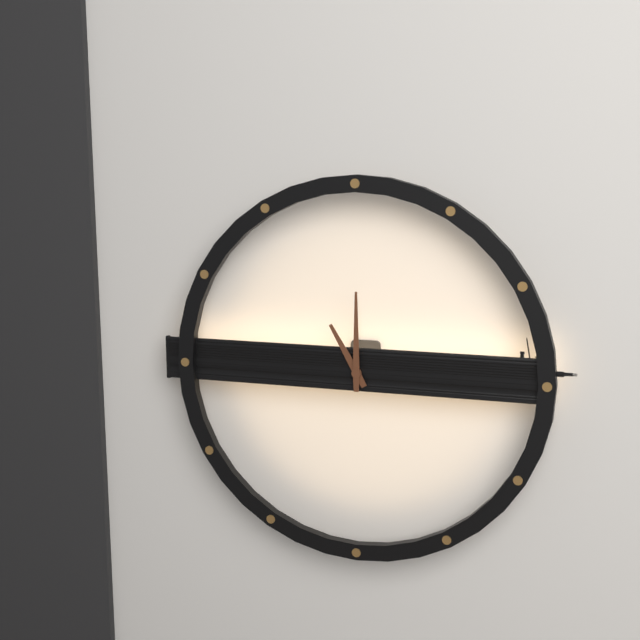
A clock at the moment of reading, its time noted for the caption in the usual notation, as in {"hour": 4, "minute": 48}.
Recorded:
{"hour": 11, "minute": 0}
